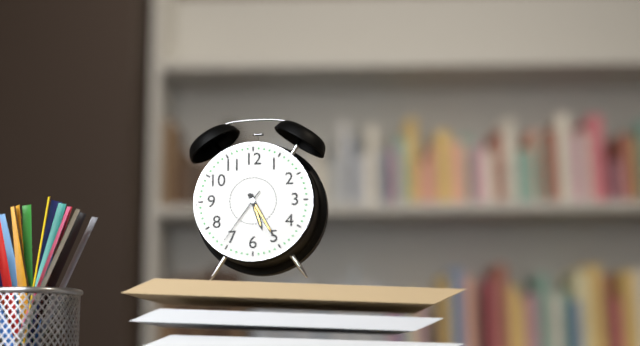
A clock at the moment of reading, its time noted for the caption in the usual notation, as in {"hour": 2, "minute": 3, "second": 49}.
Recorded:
{"hour": 5, "minute": 25, "second": 36}
